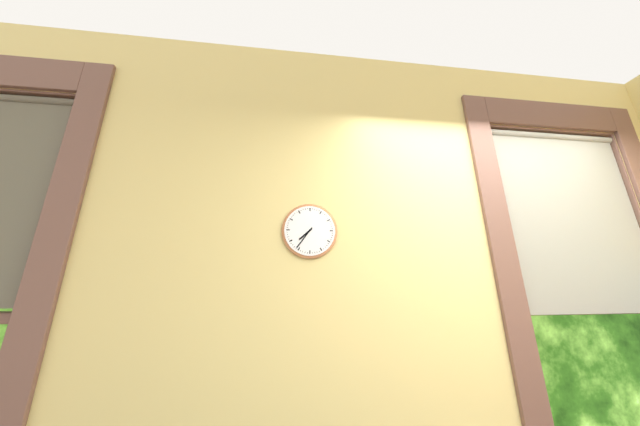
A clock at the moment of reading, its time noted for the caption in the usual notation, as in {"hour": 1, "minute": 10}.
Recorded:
{"hour": 7, "minute": 36}
